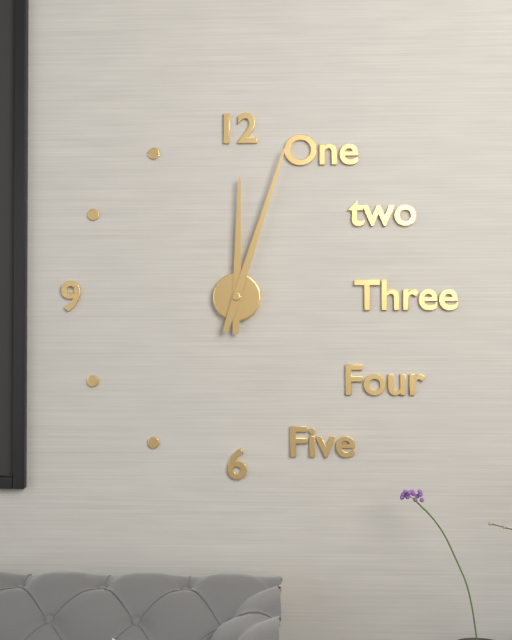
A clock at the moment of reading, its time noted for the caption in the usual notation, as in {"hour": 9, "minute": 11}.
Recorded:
{"hour": 12, "minute": 3}
